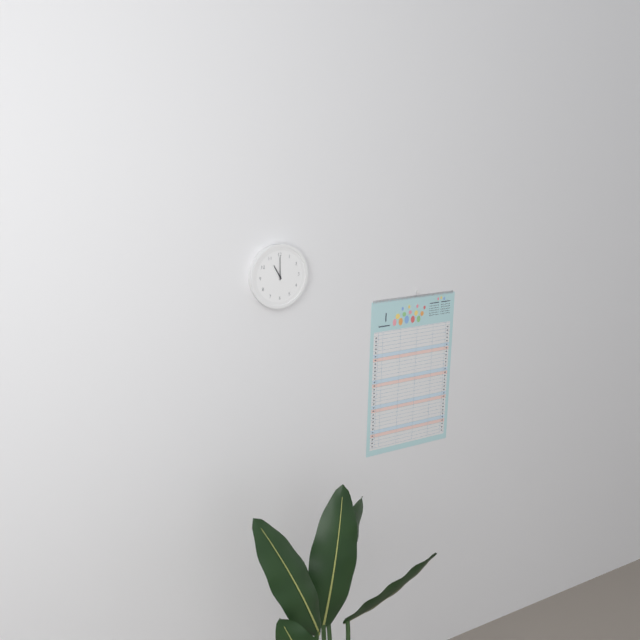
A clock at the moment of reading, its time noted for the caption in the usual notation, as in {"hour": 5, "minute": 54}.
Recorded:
{"hour": 11, "minute": 0}
